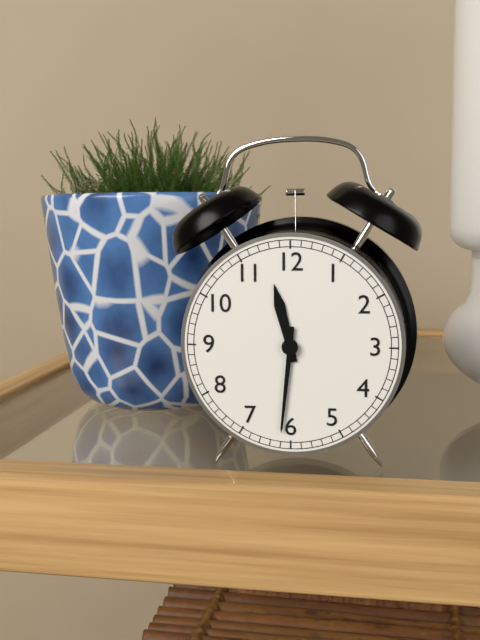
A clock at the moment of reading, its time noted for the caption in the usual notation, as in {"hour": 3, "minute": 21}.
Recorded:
{"hour": 11, "minute": 31}
